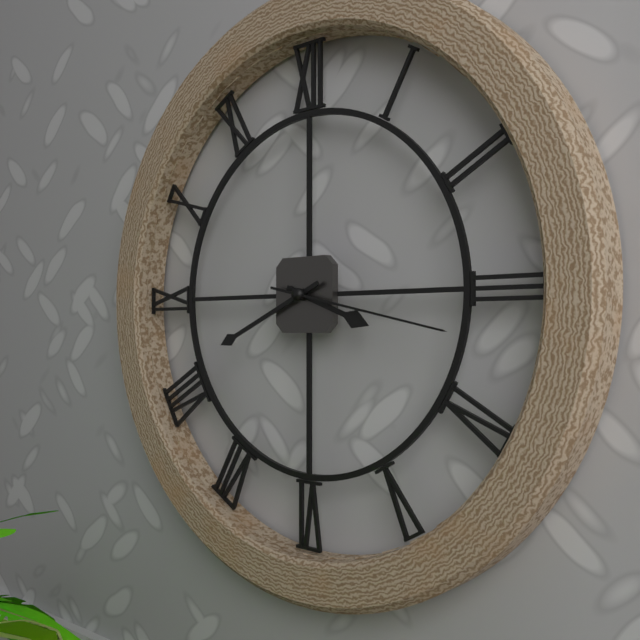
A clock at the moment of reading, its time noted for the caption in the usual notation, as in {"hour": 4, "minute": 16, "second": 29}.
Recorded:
{"hour": 3, "minute": 41, "second": 17}
